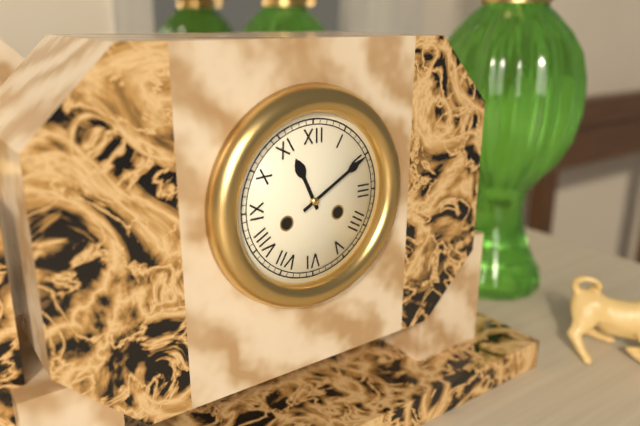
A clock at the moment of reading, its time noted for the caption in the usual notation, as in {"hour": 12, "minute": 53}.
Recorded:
{"hour": 11, "minute": 10}
